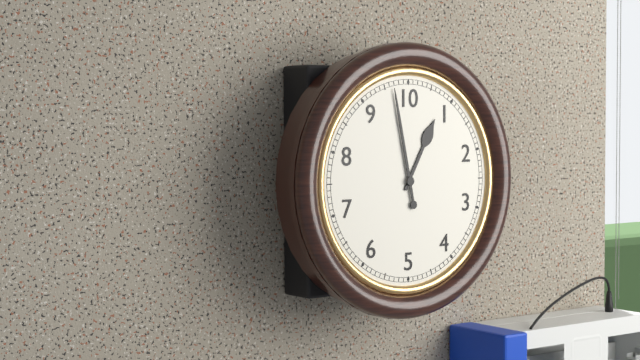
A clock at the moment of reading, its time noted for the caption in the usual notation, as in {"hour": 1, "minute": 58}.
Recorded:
{"hour": 12, "minute": 58}
